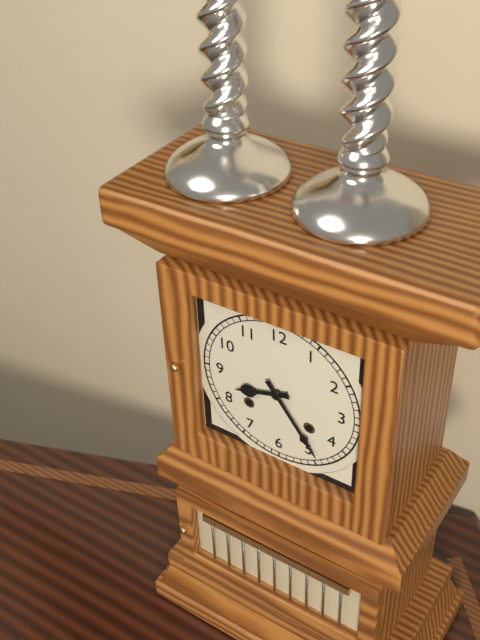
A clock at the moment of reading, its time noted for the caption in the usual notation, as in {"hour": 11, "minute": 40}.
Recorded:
{"hour": 8, "minute": 24}
